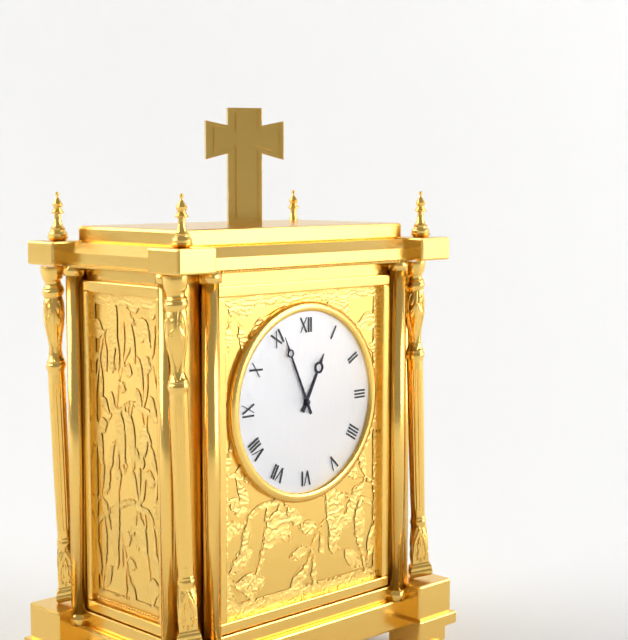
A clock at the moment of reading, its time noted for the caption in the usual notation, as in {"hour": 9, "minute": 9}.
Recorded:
{"hour": 12, "minute": 56}
